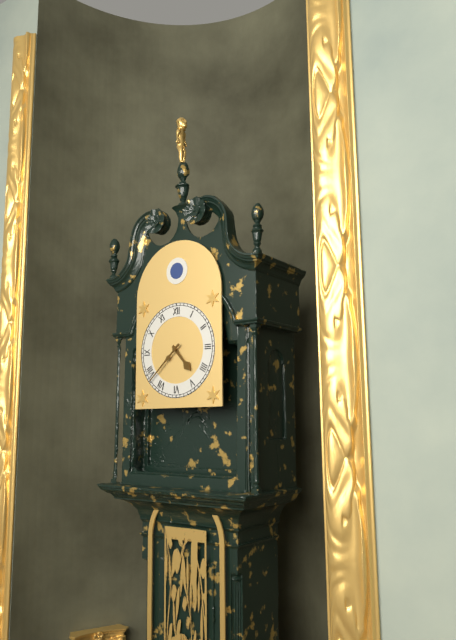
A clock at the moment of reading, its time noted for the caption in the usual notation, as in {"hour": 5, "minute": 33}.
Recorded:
{"hour": 4, "minute": 38}
